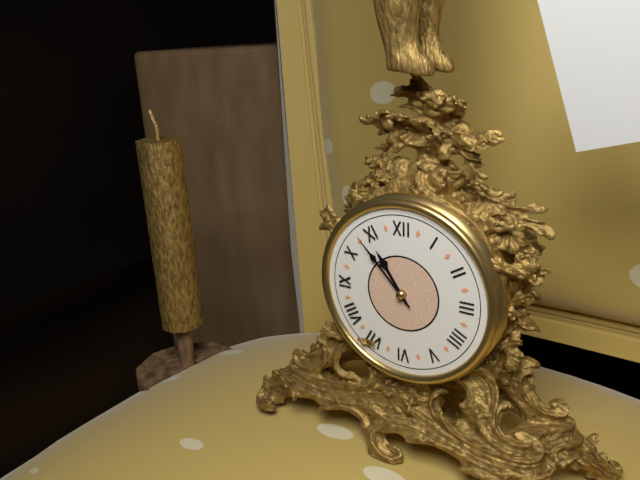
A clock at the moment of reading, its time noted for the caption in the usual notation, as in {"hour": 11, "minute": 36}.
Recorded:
{"hour": 10, "minute": 53}
